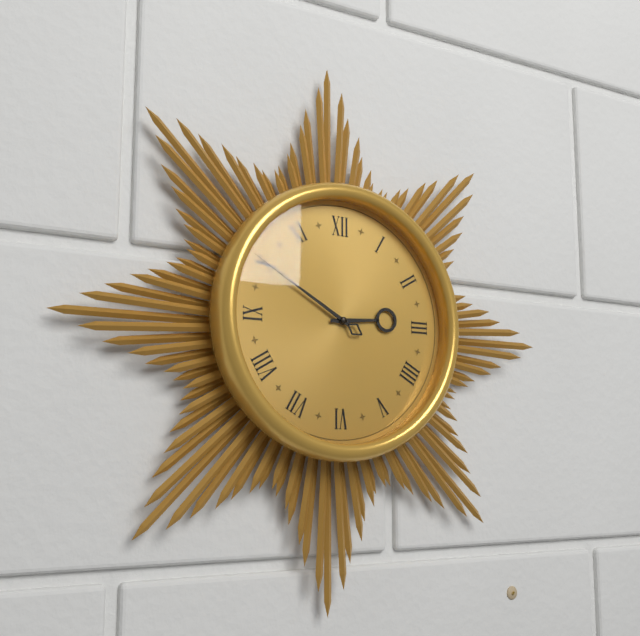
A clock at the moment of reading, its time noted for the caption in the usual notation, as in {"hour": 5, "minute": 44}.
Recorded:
{"hour": 2, "minute": 50}
